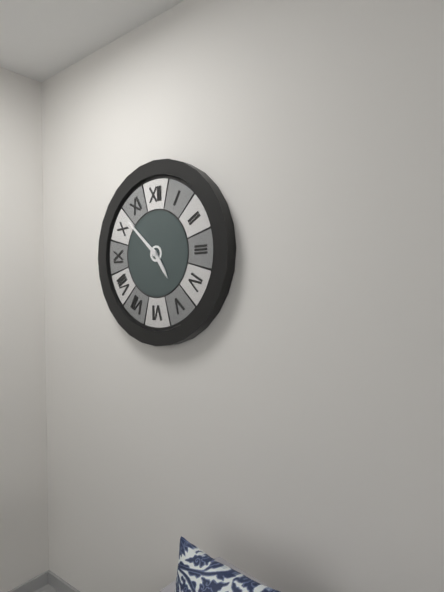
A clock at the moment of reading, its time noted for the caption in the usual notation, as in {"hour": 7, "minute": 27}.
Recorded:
{"hour": 4, "minute": 52}
